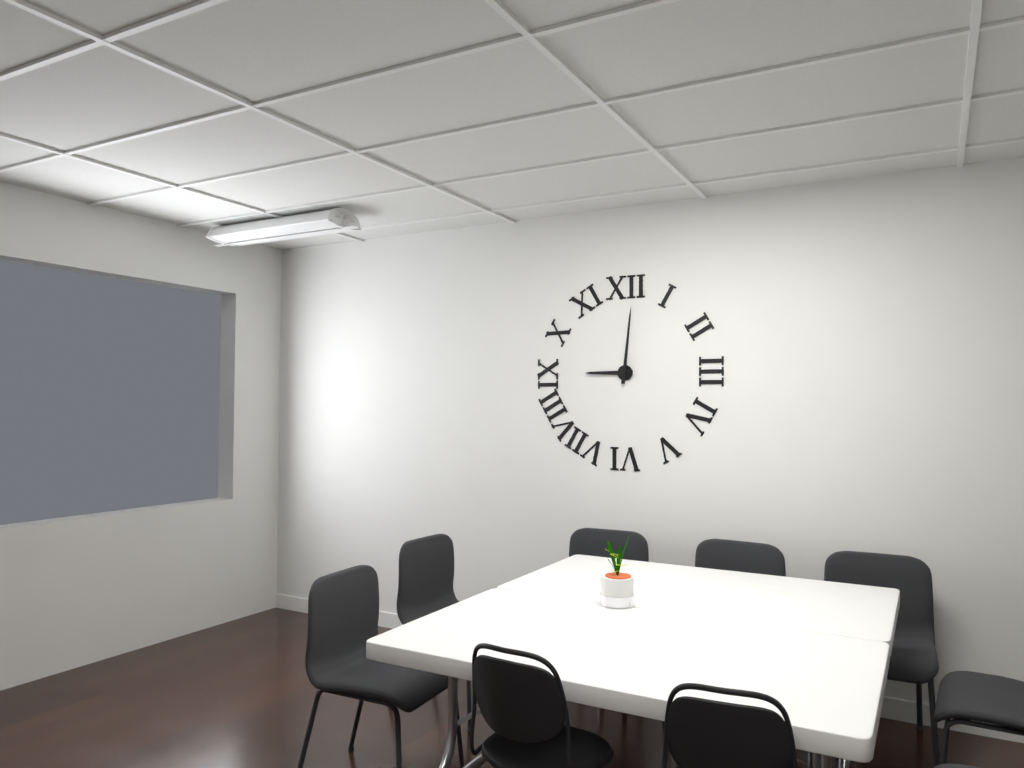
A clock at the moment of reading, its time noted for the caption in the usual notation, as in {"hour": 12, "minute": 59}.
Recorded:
{"hour": 9, "minute": 1}
